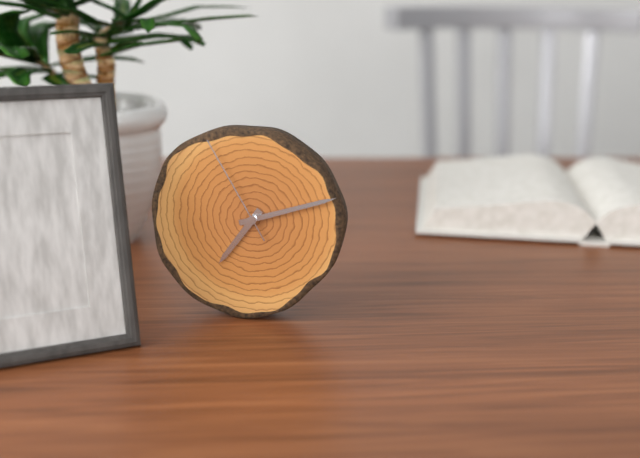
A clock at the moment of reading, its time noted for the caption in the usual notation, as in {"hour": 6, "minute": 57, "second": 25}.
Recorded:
{"hour": 7, "minute": 12, "second": 55}
